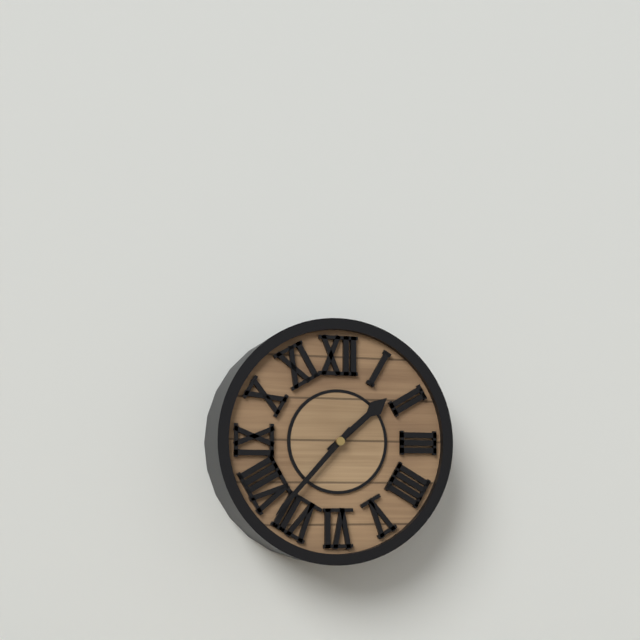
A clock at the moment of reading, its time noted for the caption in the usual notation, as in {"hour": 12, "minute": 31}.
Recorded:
{"hour": 1, "minute": 37}
